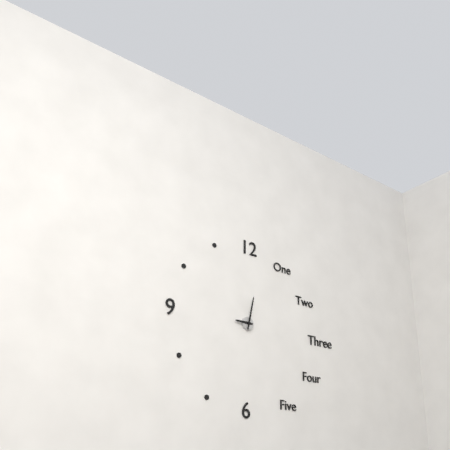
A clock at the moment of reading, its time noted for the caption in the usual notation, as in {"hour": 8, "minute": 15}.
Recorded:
{"hour": 9, "minute": 2}
